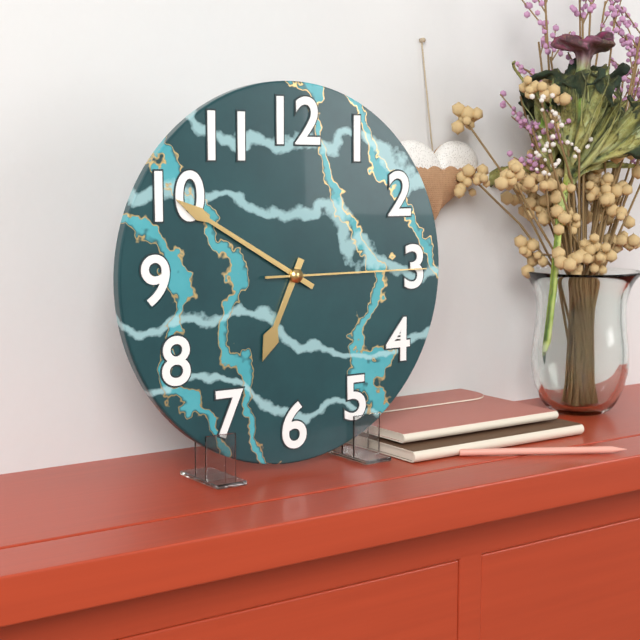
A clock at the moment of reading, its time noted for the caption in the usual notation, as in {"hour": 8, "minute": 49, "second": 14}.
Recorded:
{"hour": 6, "minute": 50, "second": 15}
